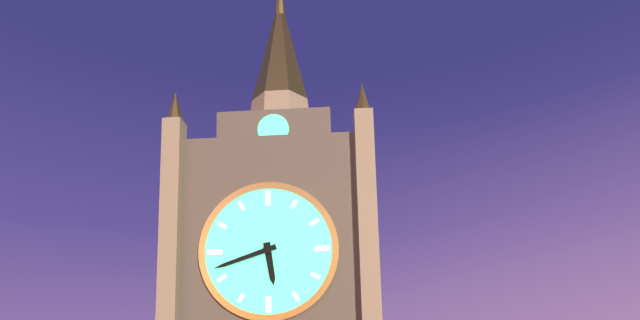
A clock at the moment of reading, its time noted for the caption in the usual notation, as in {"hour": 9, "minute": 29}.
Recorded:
{"hour": 5, "minute": 42}
